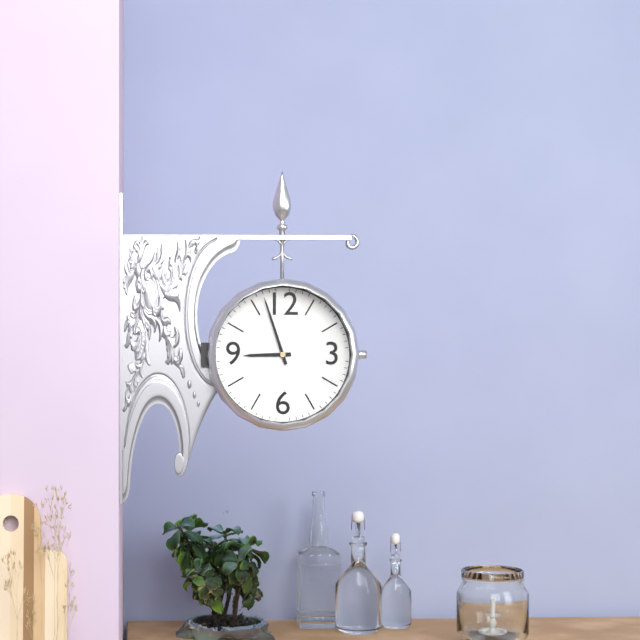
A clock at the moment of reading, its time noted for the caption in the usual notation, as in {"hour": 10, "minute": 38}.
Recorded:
{"hour": 8, "minute": 57}
